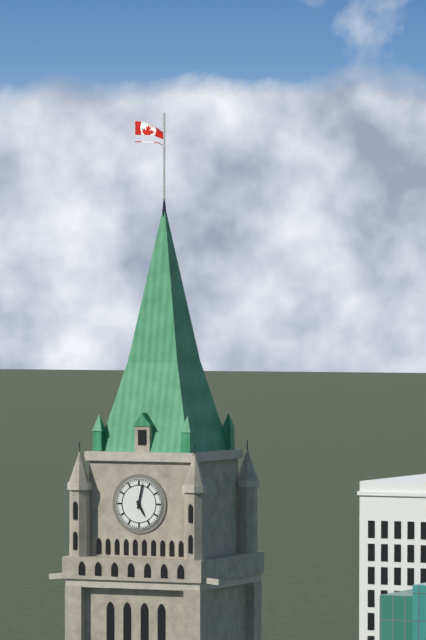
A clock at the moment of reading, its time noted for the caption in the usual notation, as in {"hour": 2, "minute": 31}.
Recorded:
{"hour": 5, "minute": 2}
